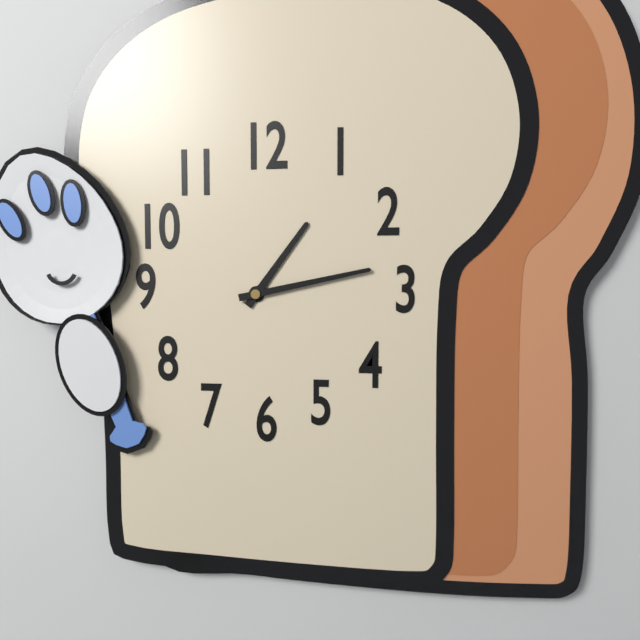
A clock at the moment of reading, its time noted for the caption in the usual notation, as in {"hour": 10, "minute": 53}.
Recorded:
{"hour": 1, "minute": 13}
